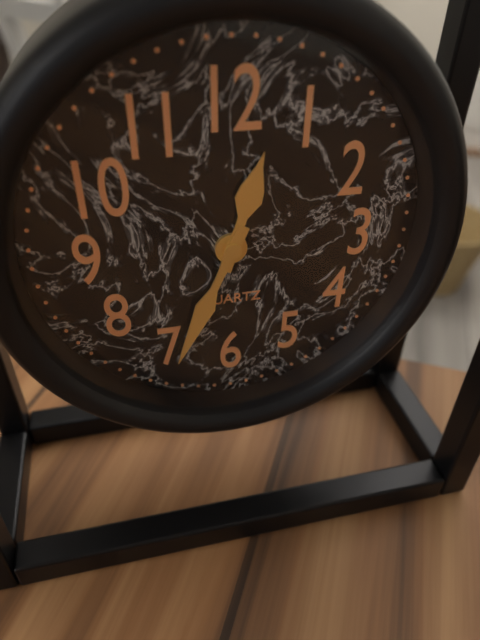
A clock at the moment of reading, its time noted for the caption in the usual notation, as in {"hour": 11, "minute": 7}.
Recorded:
{"hour": 12, "minute": 34}
